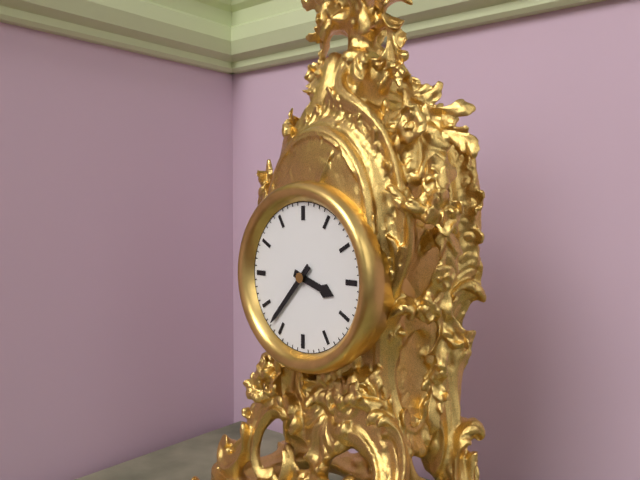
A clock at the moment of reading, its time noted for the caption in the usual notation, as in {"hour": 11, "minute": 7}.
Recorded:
{"hour": 3, "minute": 37}
